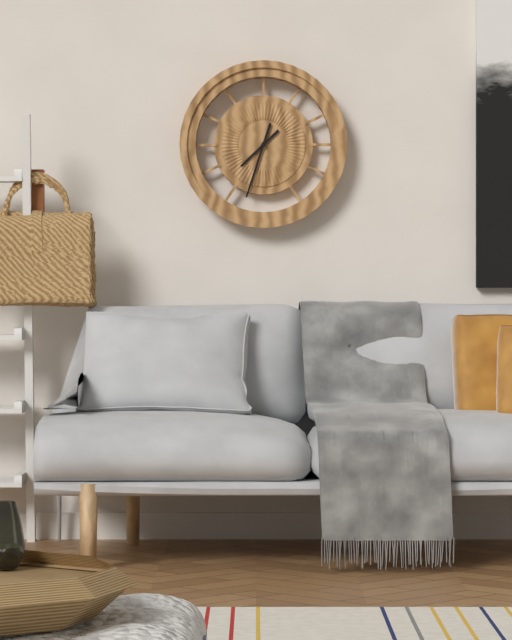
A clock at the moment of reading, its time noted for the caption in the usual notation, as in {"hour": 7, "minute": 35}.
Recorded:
{"hour": 7, "minute": 33}
